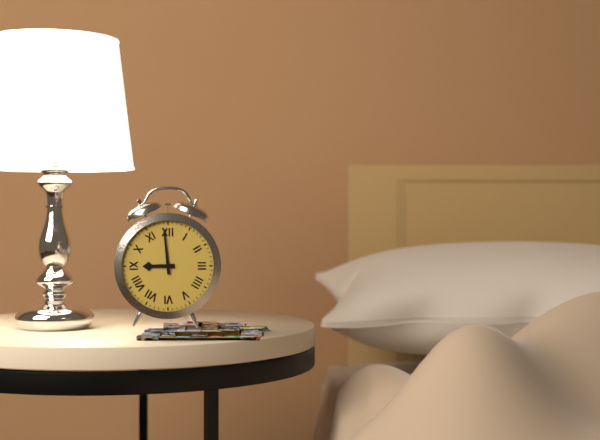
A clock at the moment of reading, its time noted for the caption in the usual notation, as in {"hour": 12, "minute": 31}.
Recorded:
{"hour": 8, "minute": 59}
